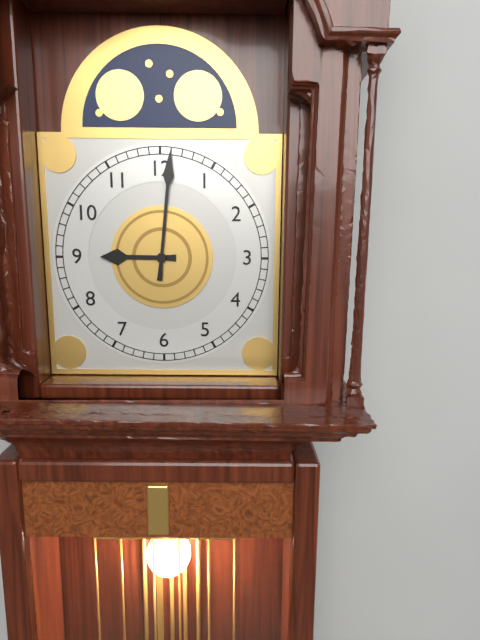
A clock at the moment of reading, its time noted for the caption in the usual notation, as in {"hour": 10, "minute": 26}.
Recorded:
{"hour": 9, "minute": 1}
